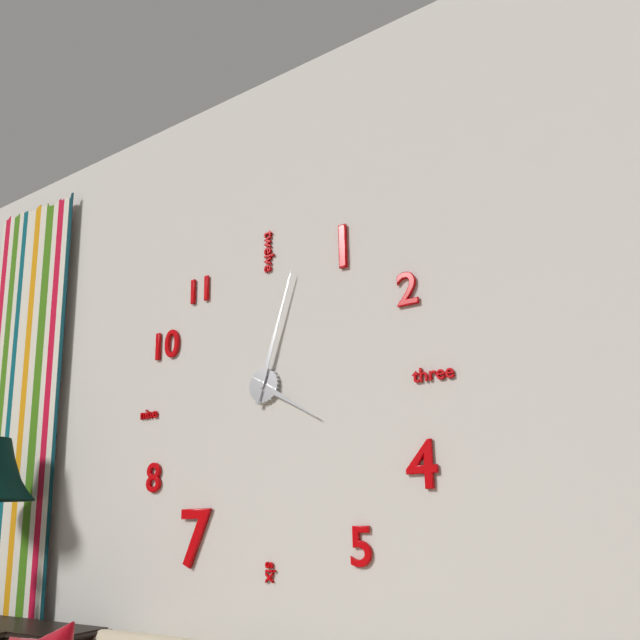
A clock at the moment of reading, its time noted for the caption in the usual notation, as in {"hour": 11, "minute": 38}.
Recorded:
{"hour": 4, "minute": 3}
